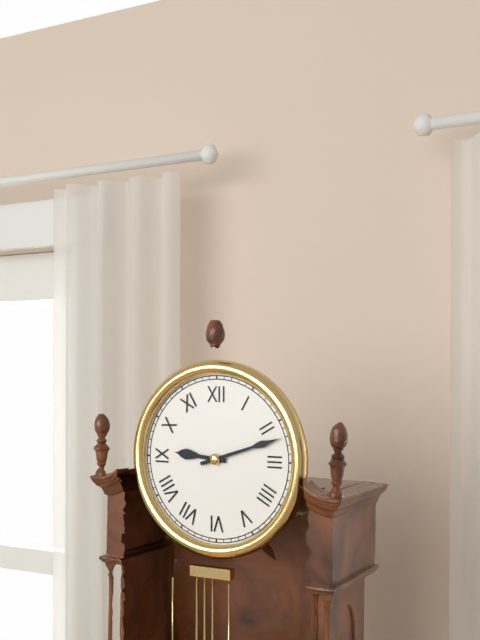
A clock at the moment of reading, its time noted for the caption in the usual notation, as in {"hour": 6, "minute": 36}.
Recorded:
{"hour": 9, "minute": 12}
